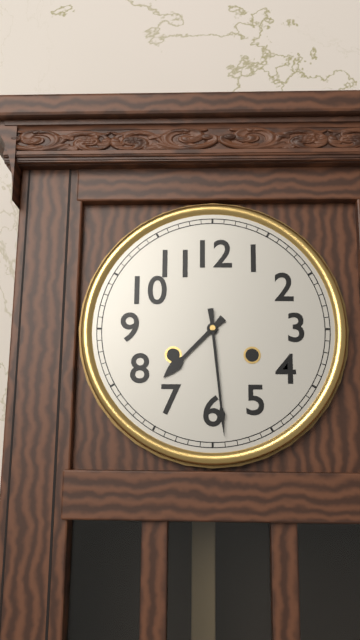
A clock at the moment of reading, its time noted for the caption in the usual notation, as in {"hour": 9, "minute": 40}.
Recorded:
{"hour": 7, "minute": 29}
